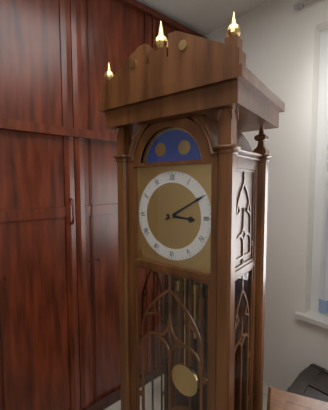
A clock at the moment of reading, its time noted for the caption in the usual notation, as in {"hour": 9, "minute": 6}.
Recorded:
{"hour": 3, "minute": 10}
